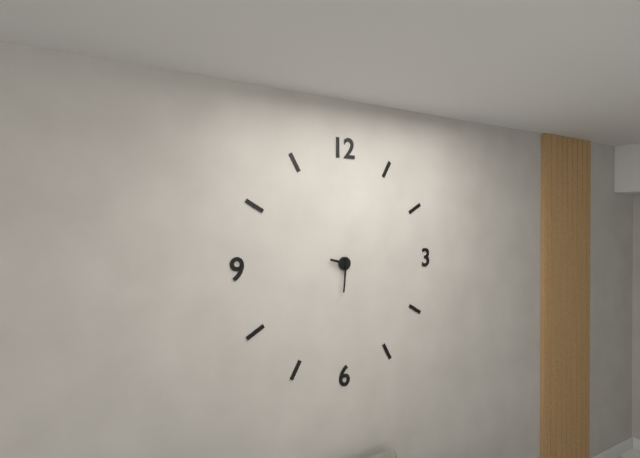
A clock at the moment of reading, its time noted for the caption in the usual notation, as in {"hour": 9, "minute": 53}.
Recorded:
{"hour": 9, "minute": 31}
